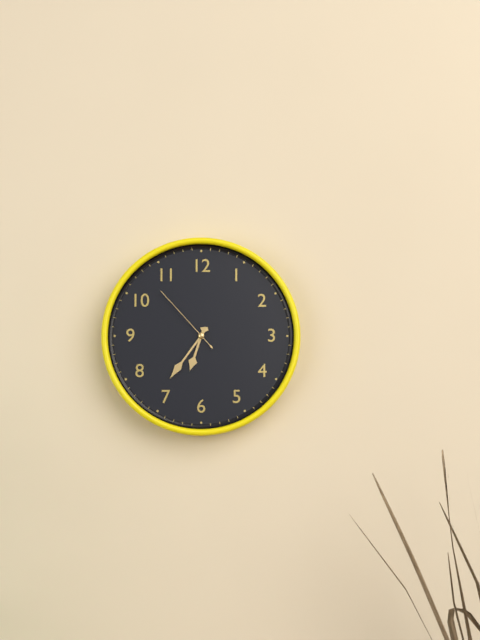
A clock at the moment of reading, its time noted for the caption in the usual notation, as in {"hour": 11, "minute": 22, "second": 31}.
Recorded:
{"hour": 6, "minute": 36, "second": 53}
